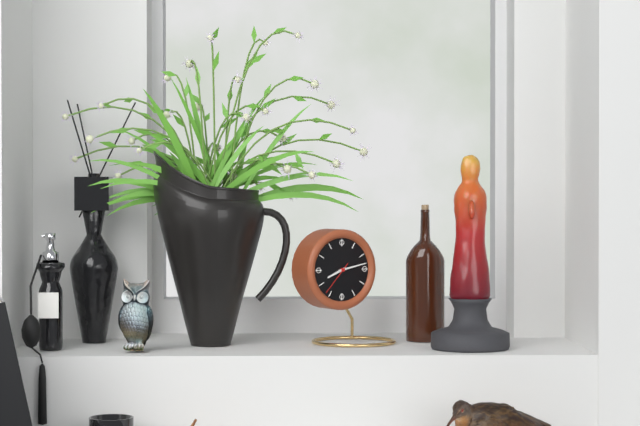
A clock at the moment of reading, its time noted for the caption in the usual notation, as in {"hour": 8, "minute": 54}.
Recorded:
{"hour": 8, "minute": 13}
